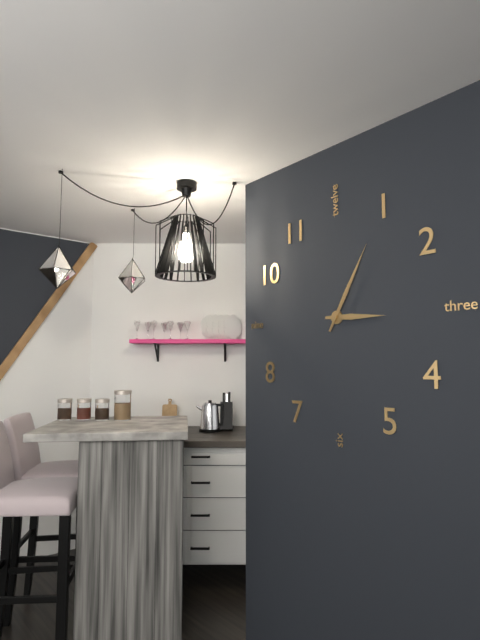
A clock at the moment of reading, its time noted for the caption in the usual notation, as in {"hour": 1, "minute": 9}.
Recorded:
{"hour": 3, "minute": 5}
